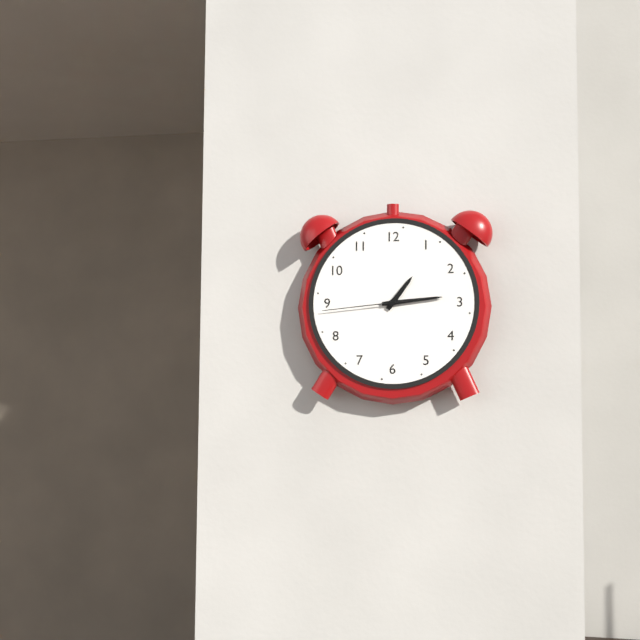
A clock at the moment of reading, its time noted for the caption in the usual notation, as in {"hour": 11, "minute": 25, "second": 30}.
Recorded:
{"hour": 1, "minute": 14, "second": 44}
